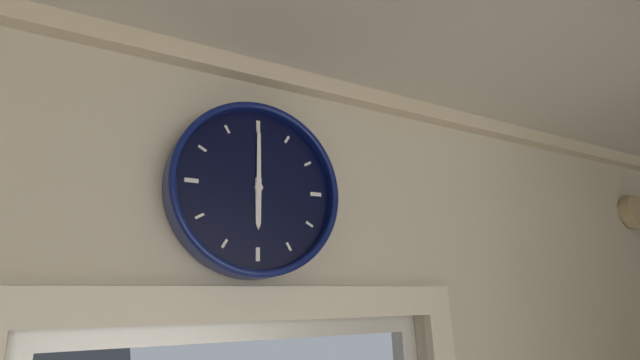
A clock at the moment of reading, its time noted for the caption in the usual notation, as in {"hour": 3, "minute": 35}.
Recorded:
{"hour": 6, "minute": 0}
